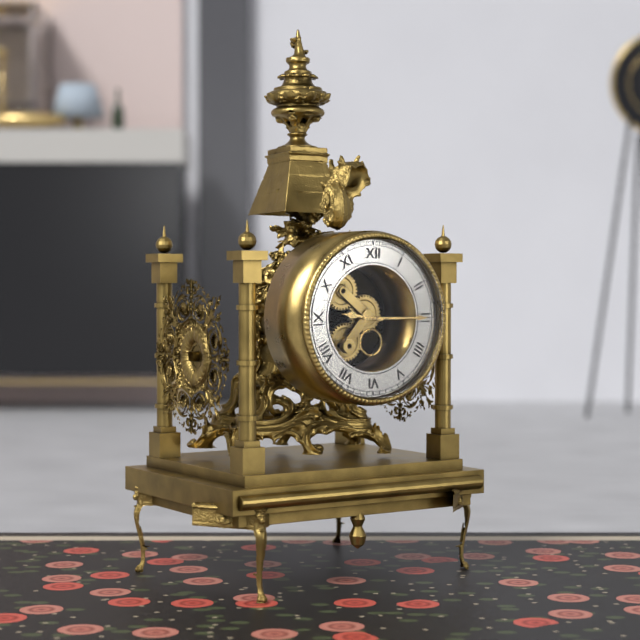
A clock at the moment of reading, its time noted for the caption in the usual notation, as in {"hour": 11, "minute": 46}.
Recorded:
{"hour": 9, "minute": 15}
